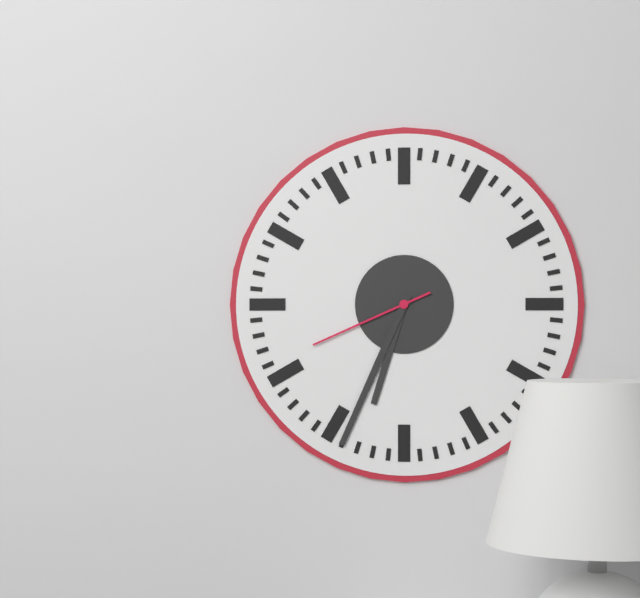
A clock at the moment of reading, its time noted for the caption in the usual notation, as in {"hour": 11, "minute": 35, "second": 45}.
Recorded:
{"hour": 6, "minute": 34, "second": 41}
